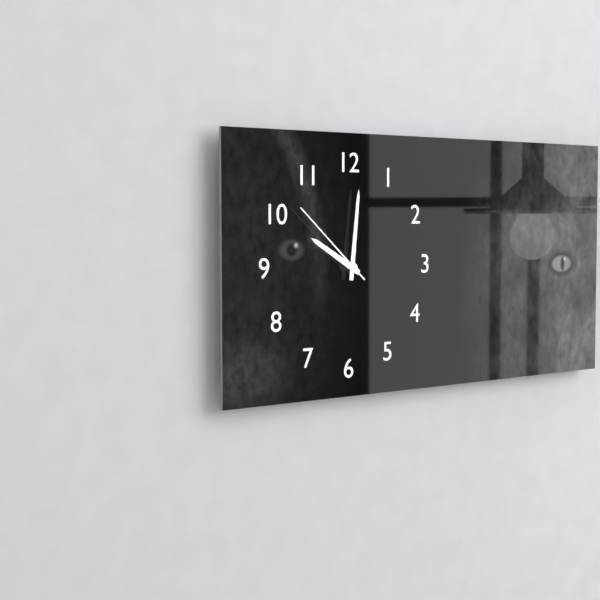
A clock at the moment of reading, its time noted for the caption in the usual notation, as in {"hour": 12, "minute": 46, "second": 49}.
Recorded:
{"hour": 10, "minute": 1, "second": 52}
